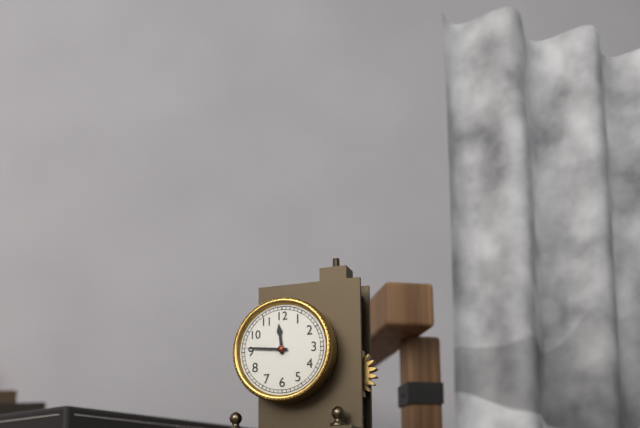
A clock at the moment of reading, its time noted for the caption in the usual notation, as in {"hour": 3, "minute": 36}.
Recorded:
{"hour": 11, "minute": 46}
